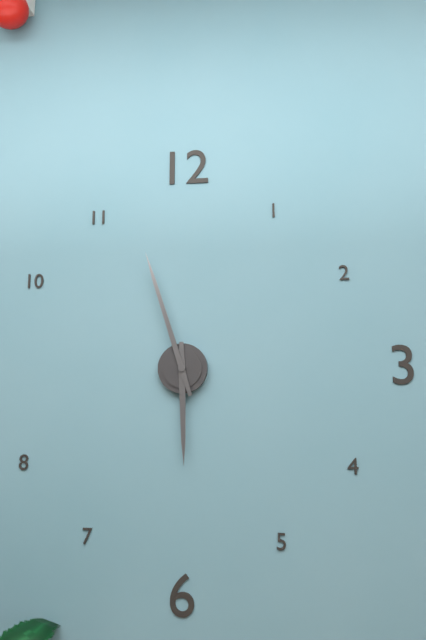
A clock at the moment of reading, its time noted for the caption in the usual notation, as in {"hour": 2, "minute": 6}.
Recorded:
{"hour": 5, "minute": 57}
